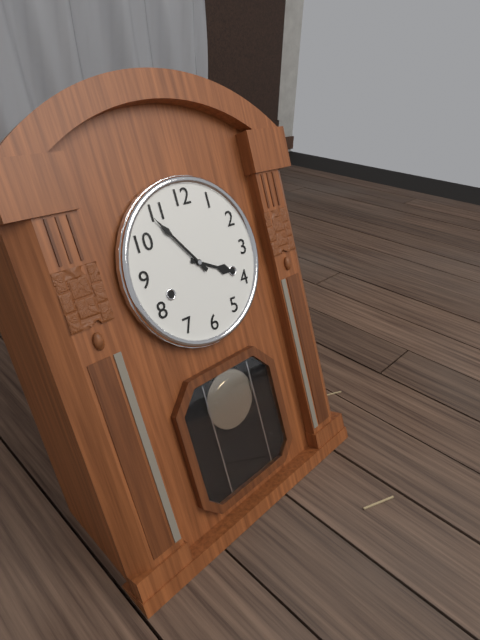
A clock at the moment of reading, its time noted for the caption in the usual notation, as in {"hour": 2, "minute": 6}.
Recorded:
{"hour": 3, "minute": 54}
